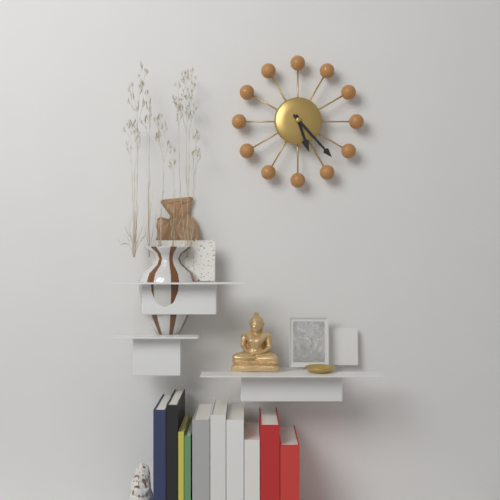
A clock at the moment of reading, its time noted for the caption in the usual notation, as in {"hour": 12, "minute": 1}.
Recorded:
{"hour": 5, "minute": 23}
